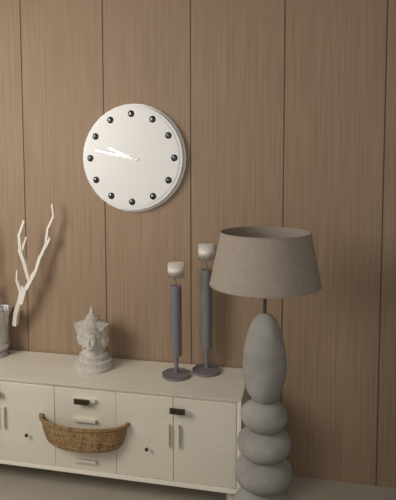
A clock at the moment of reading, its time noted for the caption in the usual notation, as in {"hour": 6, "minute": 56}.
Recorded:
{"hour": 9, "minute": 47}
